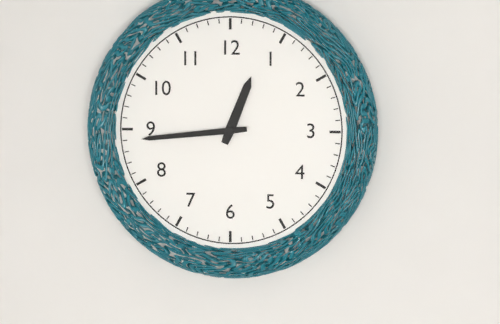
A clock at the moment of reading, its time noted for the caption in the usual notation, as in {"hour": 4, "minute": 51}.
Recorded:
{"hour": 12, "minute": 44}
